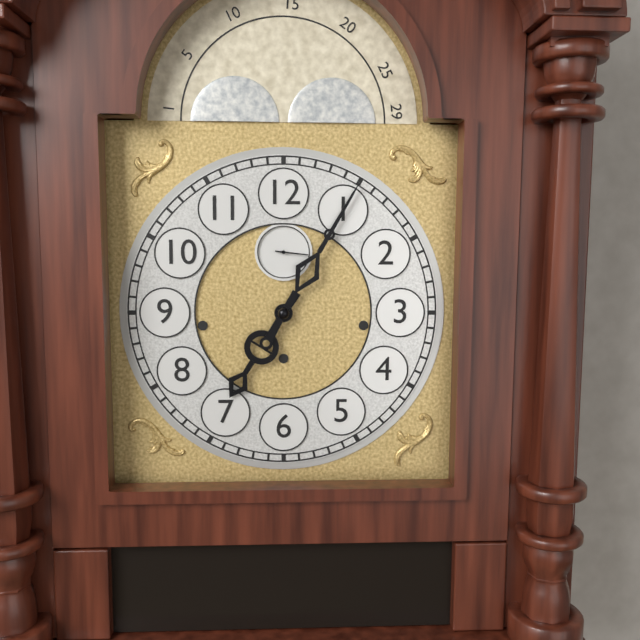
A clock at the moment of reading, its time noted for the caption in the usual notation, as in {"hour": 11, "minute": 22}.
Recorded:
{"hour": 7, "minute": 5}
